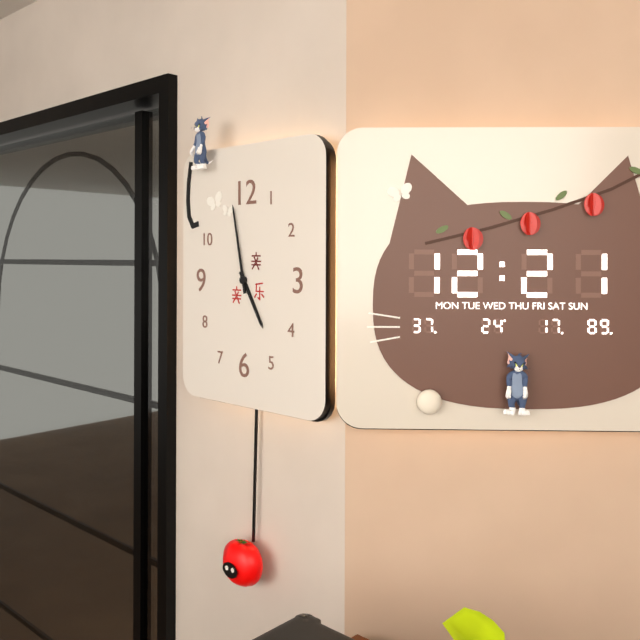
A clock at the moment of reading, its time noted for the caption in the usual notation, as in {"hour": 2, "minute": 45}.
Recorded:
{"hour": 4, "minute": 58}
